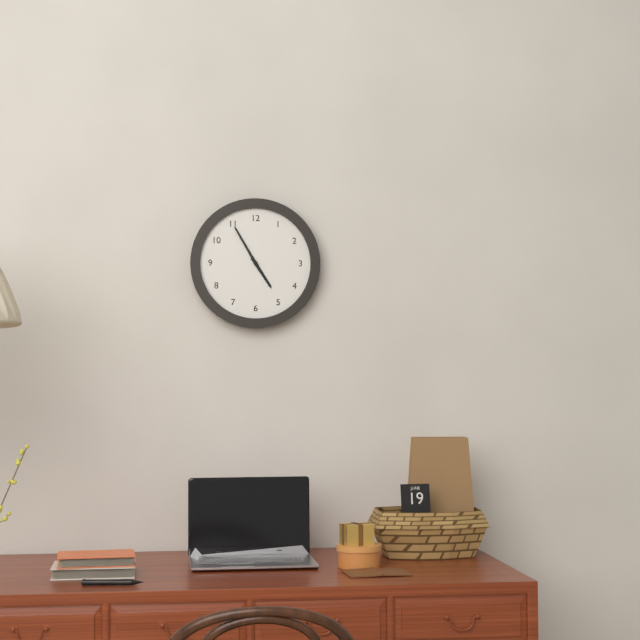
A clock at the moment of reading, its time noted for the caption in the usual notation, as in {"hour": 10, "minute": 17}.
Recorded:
{"hour": 4, "minute": 55}
